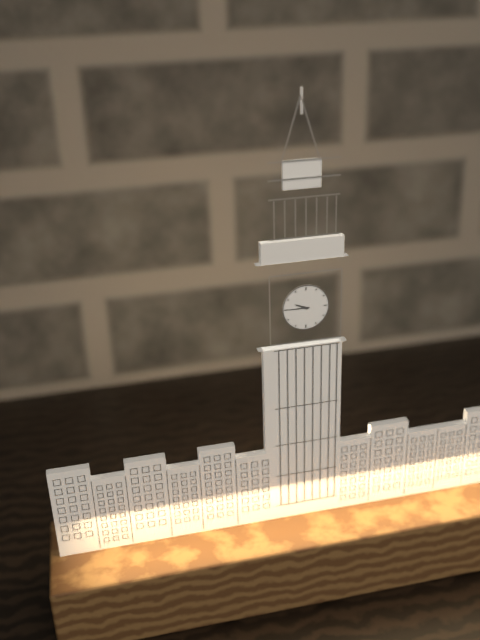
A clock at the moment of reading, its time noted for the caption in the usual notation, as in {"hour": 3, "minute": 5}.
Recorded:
{"hour": 9, "minute": 45}
